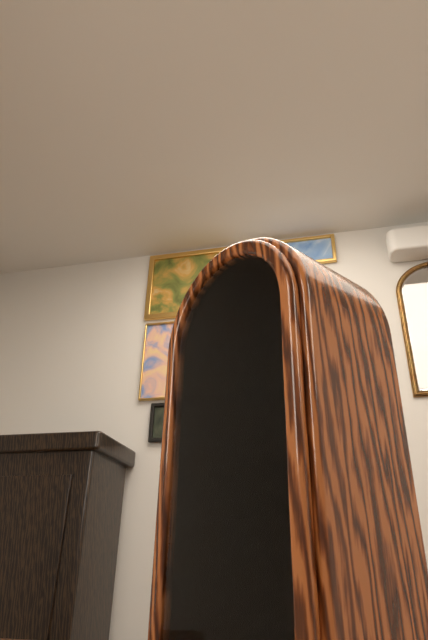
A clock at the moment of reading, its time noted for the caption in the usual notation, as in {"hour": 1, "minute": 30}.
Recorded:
{"hour": 6, "minute": 50}
